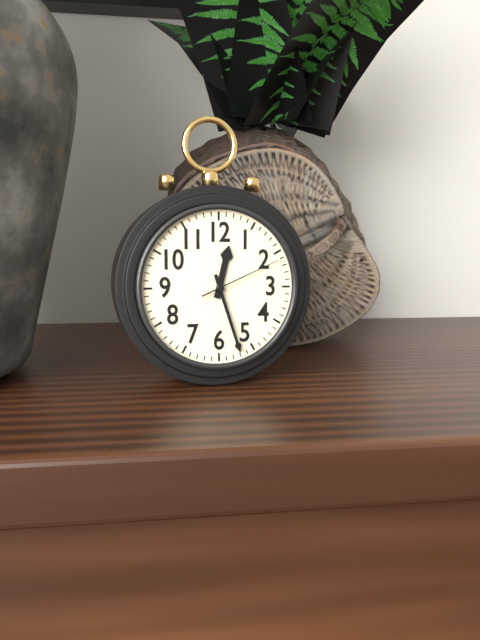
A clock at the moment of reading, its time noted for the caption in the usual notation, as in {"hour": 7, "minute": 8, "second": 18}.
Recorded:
{"hour": 12, "minute": 27, "second": 11}
